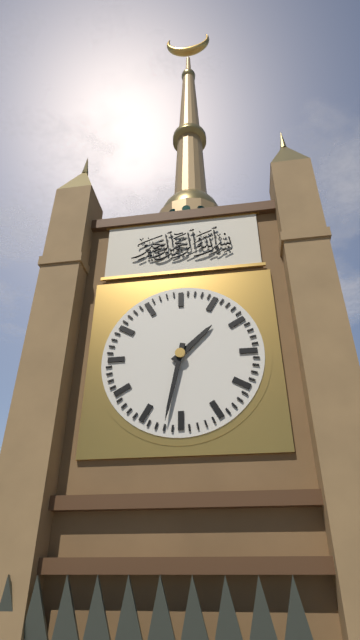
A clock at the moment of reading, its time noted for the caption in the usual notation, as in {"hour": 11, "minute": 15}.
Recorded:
{"hour": 1, "minute": 32}
